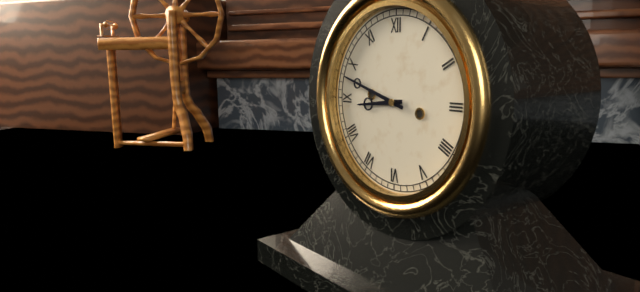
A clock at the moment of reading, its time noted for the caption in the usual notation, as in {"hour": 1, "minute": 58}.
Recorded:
{"hour": 8, "minute": 48}
